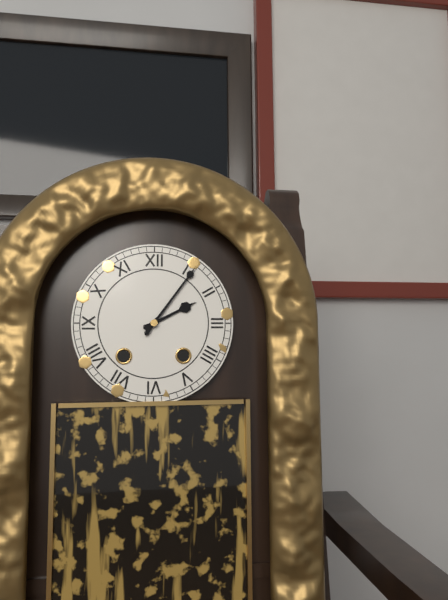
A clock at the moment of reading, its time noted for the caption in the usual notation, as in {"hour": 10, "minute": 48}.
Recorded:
{"hour": 2, "minute": 6}
